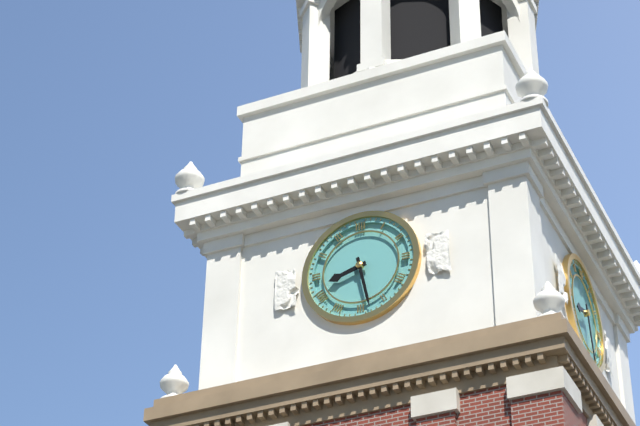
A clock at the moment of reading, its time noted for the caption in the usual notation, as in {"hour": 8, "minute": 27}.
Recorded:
{"hour": 8, "minute": 28}
